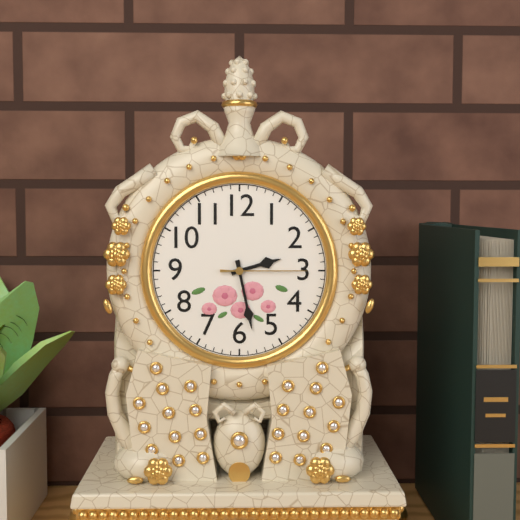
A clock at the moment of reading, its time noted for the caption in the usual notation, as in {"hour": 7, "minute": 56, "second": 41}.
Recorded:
{"hour": 2, "minute": 28, "second": 15}
